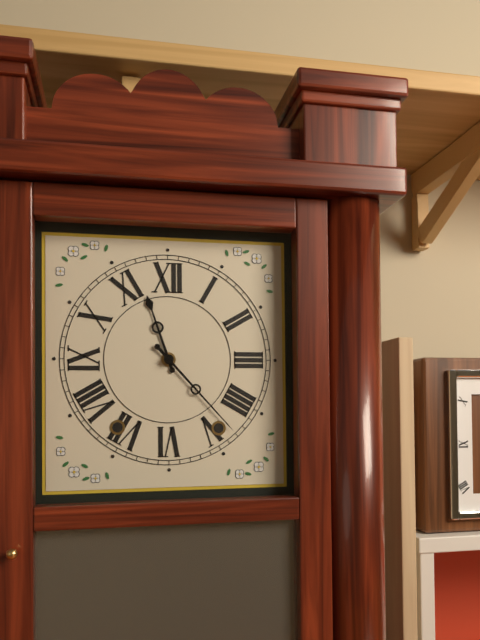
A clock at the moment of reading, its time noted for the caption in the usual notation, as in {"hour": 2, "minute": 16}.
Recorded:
{"hour": 11, "minute": 23}
